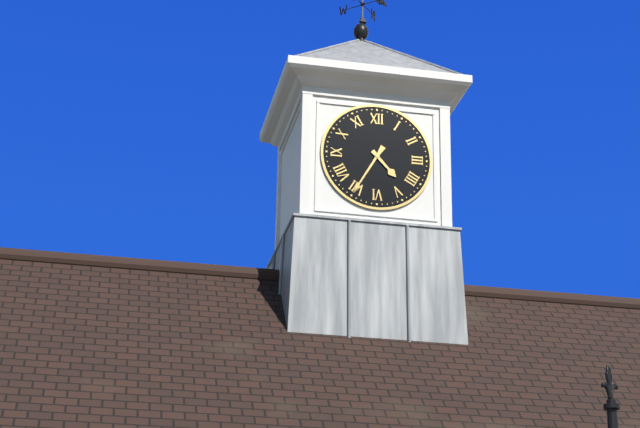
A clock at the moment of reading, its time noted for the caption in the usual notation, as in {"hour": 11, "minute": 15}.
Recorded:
{"hour": 4, "minute": 35}
